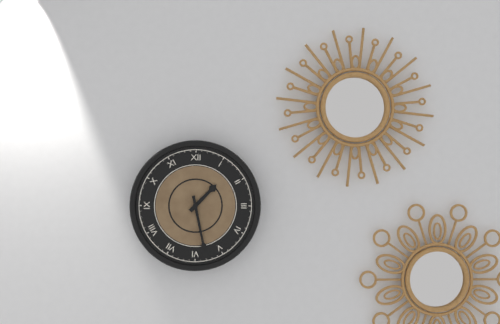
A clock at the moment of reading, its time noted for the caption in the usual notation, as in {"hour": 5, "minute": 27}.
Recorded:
{"hour": 1, "minute": 28}
